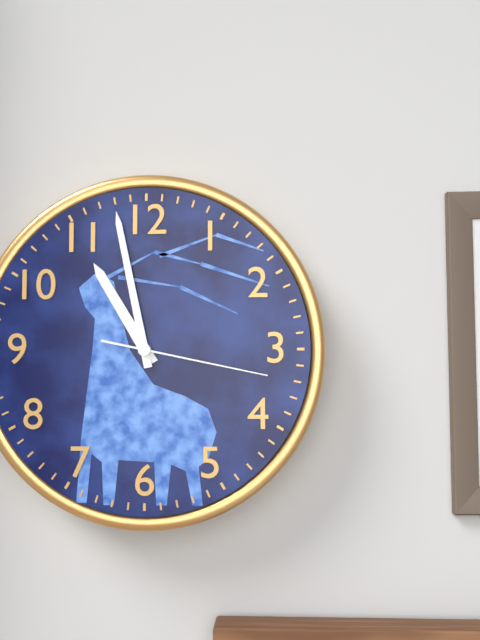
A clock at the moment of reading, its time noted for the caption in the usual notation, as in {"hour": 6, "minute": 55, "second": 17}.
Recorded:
{"hour": 10, "minute": 58, "second": 17}
